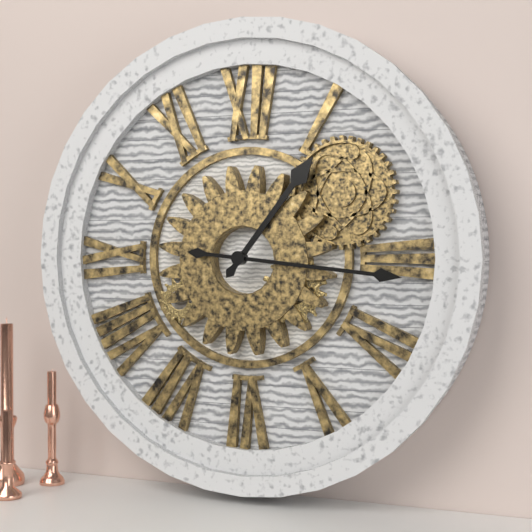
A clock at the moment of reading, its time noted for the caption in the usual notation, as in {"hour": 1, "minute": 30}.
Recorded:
{"hour": 1, "minute": 16}
